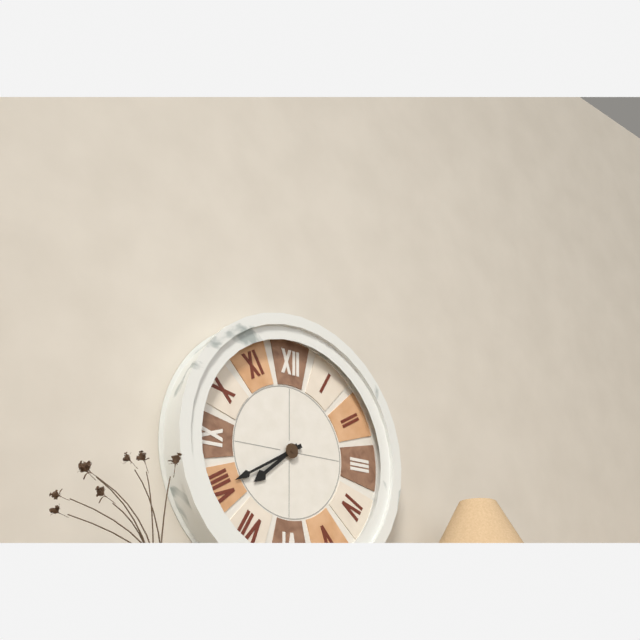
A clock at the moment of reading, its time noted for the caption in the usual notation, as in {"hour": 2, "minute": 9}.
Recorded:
{"hour": 7, "minute": 40}
